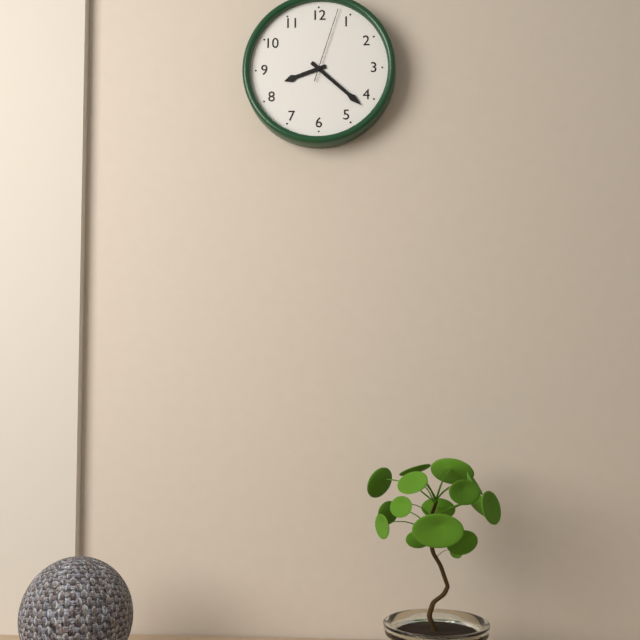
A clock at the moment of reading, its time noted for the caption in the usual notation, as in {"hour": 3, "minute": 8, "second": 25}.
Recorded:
{"hour": 8, "minute": 22, "second": 3}
